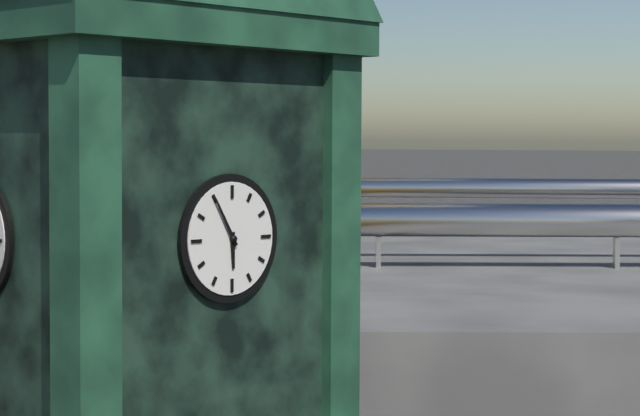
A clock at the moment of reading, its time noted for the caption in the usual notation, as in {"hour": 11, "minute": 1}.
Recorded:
{"hour": 5, "minute": 55}
